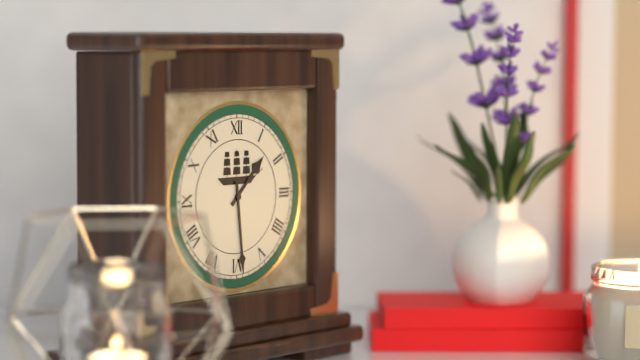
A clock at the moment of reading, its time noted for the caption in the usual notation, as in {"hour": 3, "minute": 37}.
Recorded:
{"hour": 1, "minute": 29}
